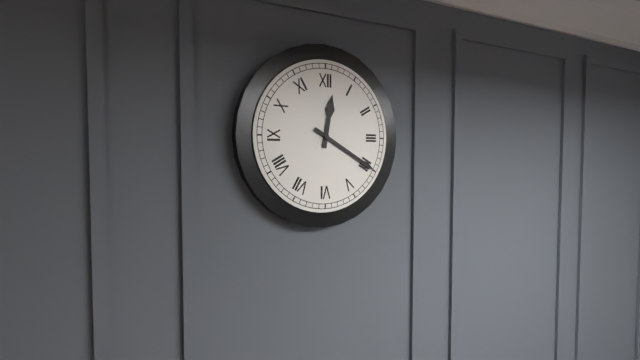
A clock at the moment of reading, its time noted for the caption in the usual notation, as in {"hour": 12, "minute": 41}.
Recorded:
{"hour": 12, "minute": 20}
